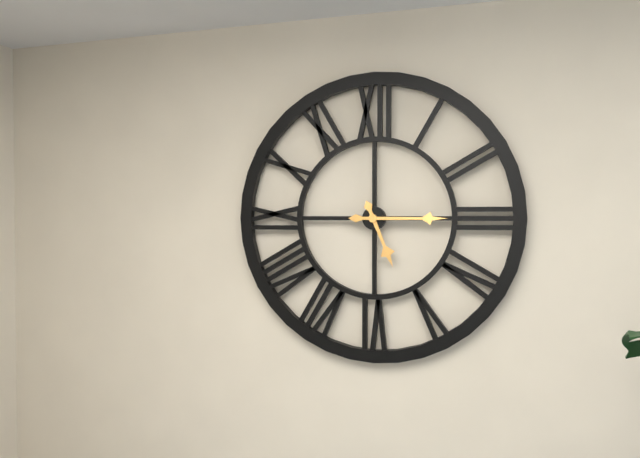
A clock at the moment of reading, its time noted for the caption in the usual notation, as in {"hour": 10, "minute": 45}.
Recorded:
{"hour": 5, "minute": 15}
